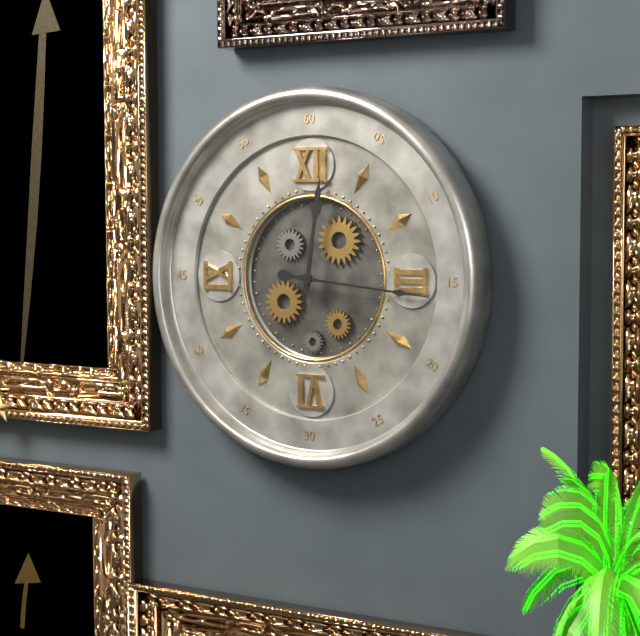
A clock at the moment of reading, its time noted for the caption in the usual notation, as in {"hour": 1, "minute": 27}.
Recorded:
{"hour": 12, "minute": 16}
